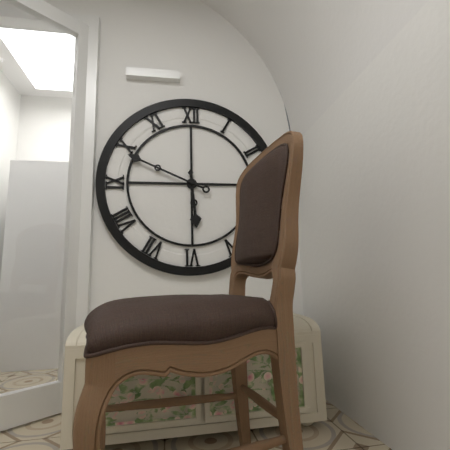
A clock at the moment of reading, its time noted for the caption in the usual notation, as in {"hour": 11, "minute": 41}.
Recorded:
{"hour": 5, "minute": 49}
